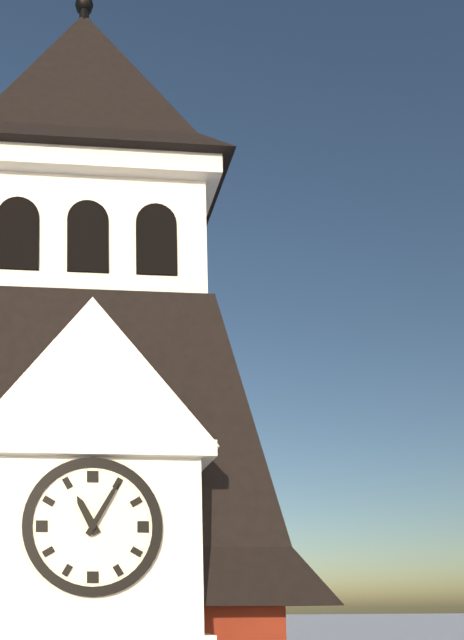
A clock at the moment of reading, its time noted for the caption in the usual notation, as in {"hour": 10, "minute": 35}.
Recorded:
{"hour": 11, "minute": 5}
